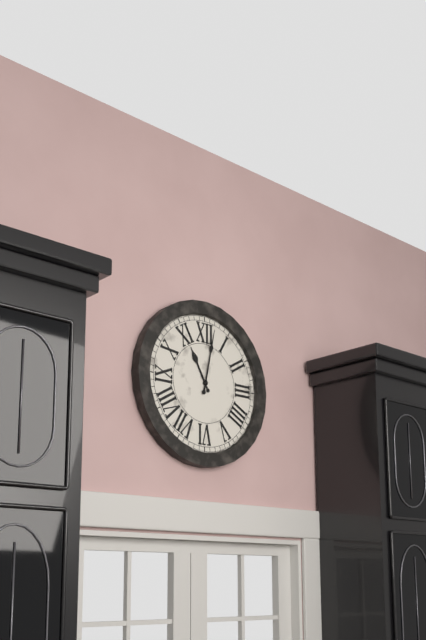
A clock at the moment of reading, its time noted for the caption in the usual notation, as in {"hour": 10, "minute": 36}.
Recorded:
{"hour": 11, "minute": 2}
